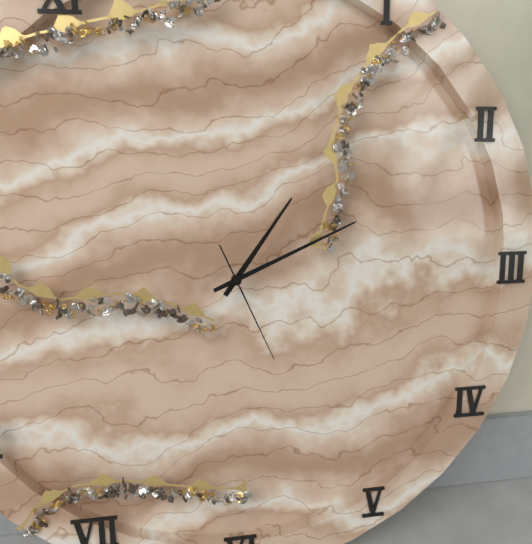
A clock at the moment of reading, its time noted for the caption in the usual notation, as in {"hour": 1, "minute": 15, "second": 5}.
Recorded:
{"hour": 1, "minute": 11, "second": 26}
